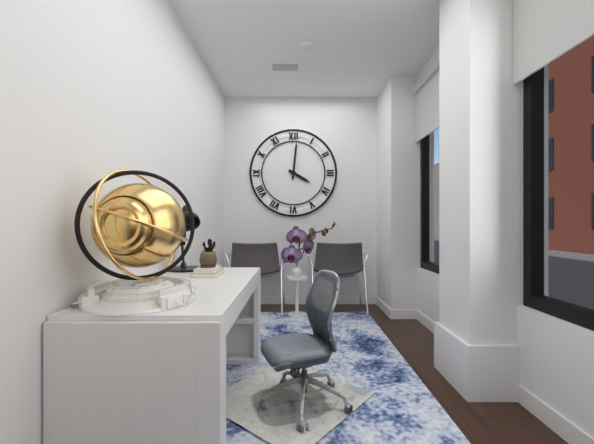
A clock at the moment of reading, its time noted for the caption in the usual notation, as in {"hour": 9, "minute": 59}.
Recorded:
{"hour": 4, "minute": 1}
